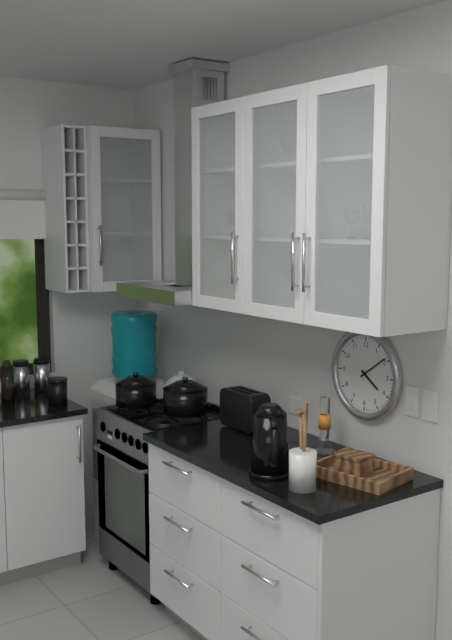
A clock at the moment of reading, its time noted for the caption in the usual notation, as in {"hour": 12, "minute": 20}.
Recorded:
{"hour": 4, "minute": 9}
